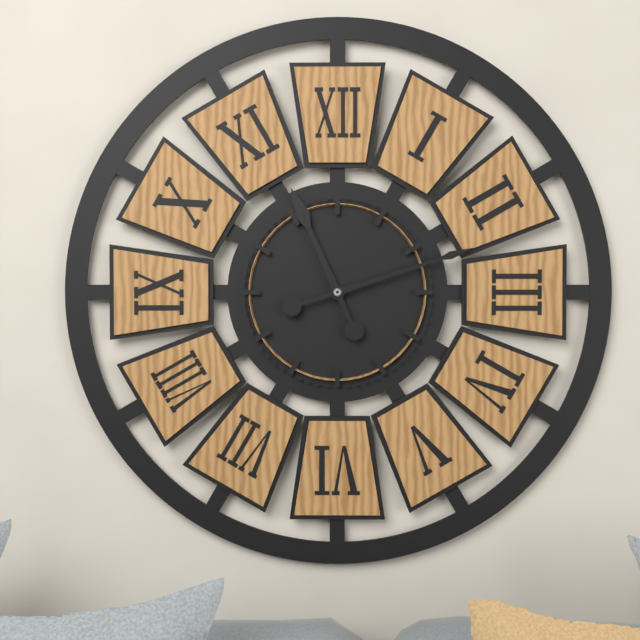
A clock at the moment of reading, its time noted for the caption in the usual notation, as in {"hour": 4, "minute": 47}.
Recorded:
{"hour": 11, "minute": 12}
